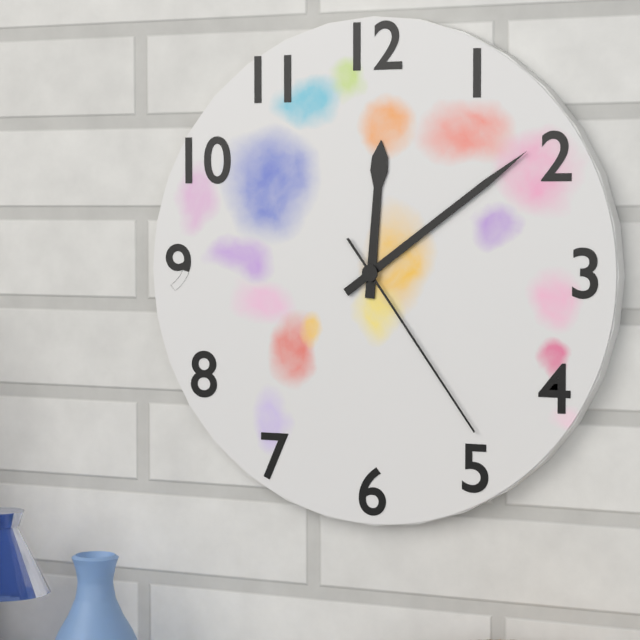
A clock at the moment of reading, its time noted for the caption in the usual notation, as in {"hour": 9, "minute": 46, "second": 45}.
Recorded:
{"hour": 12, "minute": 9, "second": 24}
